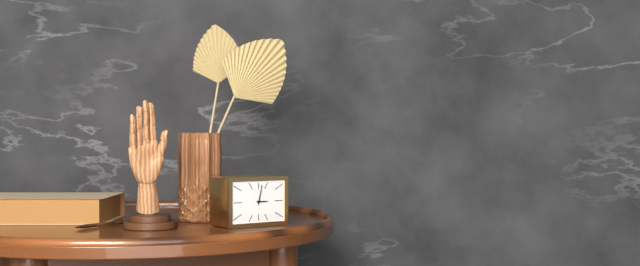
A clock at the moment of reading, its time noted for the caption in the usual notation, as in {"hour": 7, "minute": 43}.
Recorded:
{"hour": 3, "minute": 2}
